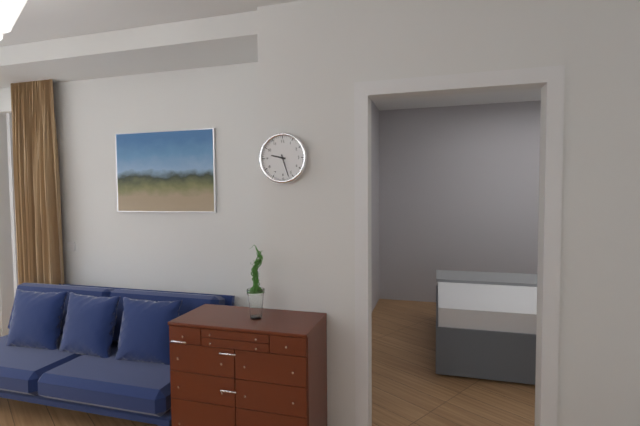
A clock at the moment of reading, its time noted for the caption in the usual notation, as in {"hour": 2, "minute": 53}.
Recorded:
{"hour": 9, "minute": 27}
